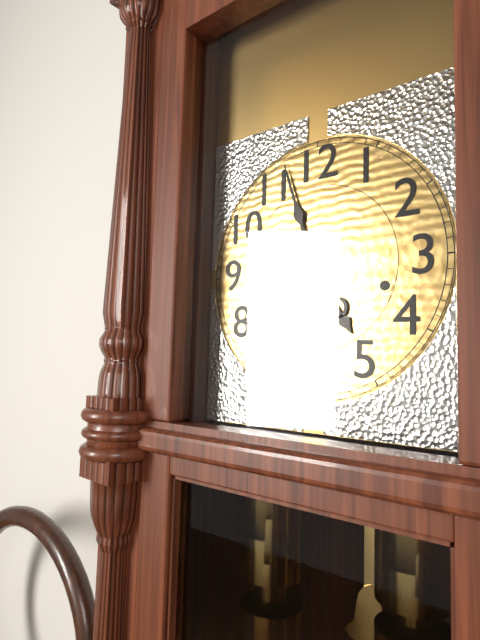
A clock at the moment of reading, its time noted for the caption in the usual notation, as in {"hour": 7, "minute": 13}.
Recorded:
{"hour": 4, "minute": 57}
